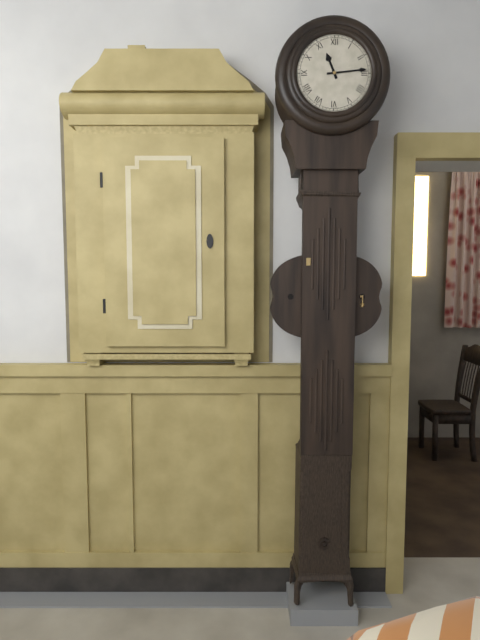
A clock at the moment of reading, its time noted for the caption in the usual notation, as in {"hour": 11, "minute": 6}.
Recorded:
{"hour": 11, "minute": 14}
